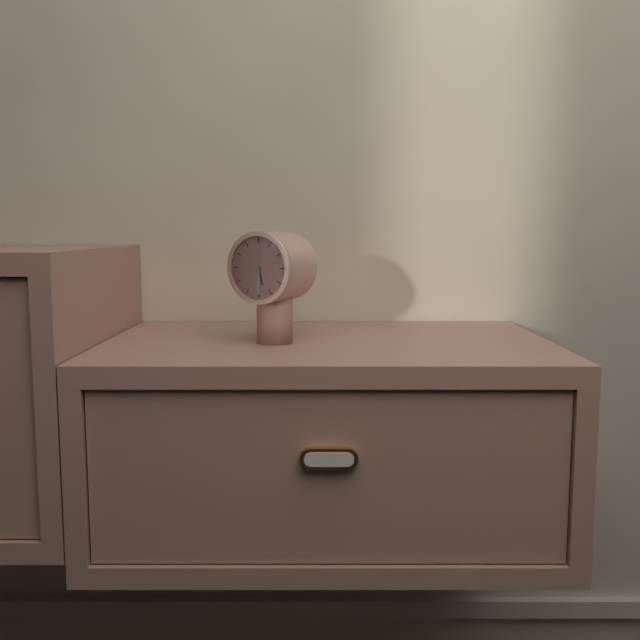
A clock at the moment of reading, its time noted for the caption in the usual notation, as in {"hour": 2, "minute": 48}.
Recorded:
{"hour": 5, "minute": 30}
